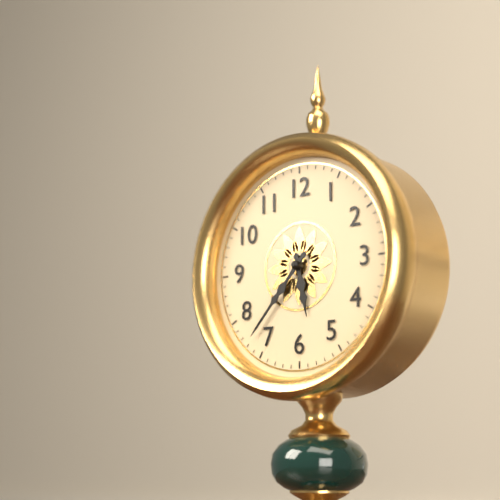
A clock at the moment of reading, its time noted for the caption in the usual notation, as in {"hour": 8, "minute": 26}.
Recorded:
{"hour": 5, "minute": 37}
